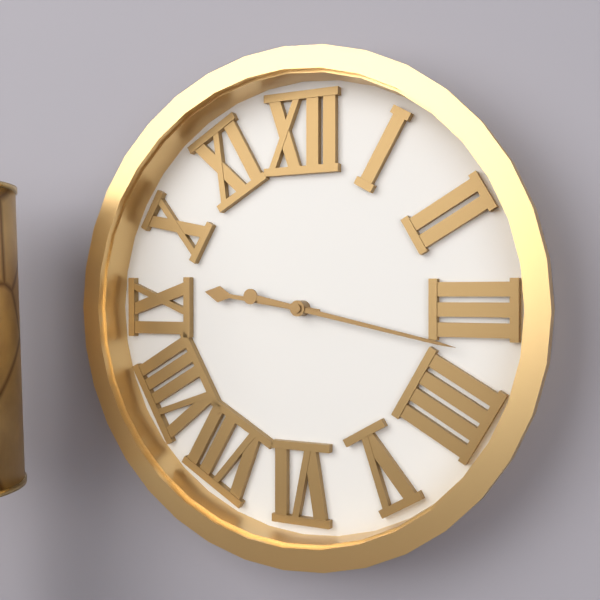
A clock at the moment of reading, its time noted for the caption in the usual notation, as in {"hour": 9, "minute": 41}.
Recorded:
{"hour": 9, "minute": 17}
